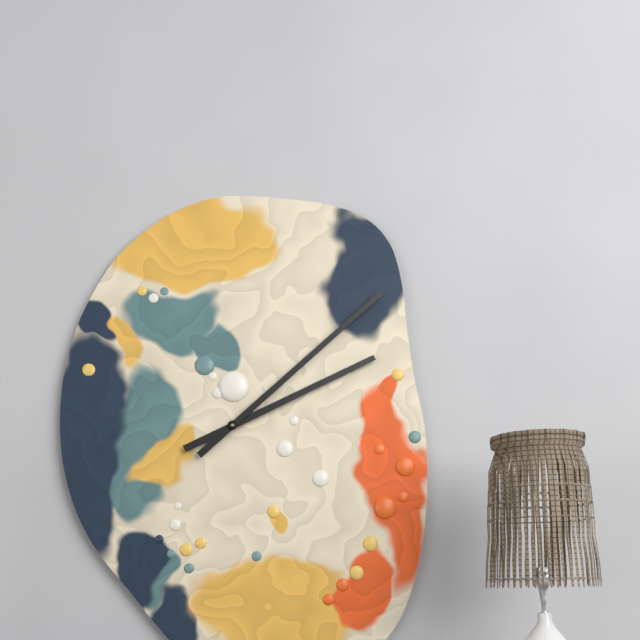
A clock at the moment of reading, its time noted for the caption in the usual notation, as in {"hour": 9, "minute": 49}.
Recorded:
{"hour": 2, "minute": 8}
